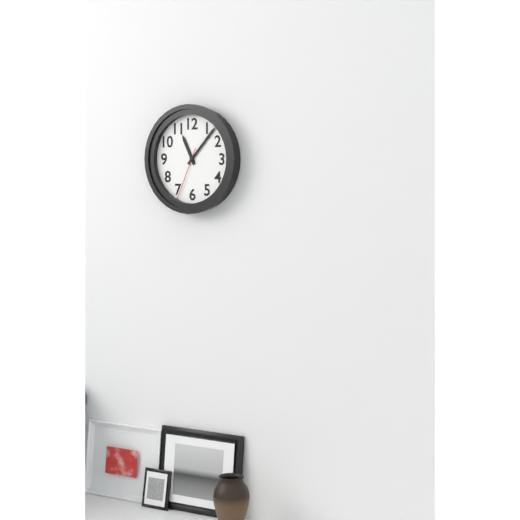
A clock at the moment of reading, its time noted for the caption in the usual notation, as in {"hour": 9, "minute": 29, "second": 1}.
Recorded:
{"hour": 11, "minute": 7, "second": 34}
